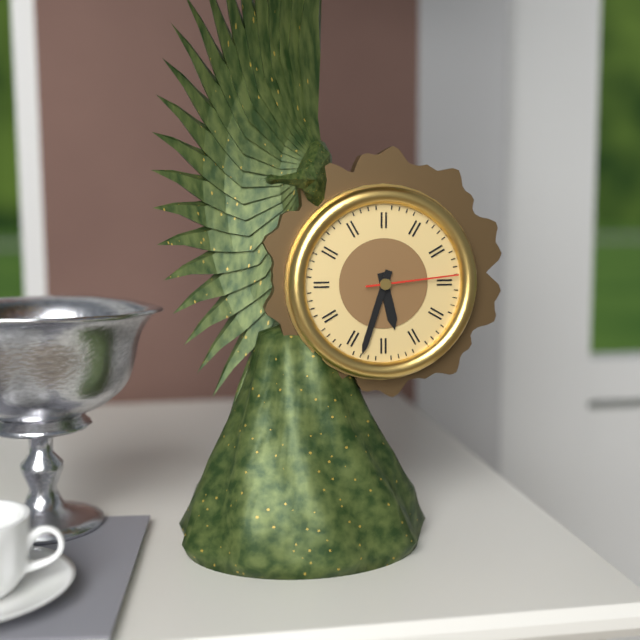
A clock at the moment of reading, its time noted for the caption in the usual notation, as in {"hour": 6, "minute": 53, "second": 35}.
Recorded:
{"hour": 5, "minute": 33, "second": 14}
